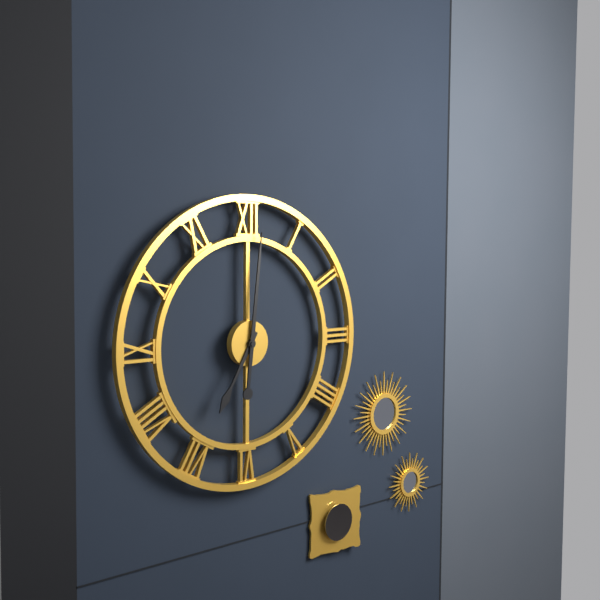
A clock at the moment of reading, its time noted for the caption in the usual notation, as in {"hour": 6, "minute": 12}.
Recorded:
{"hour": 7, "minute": 1}
